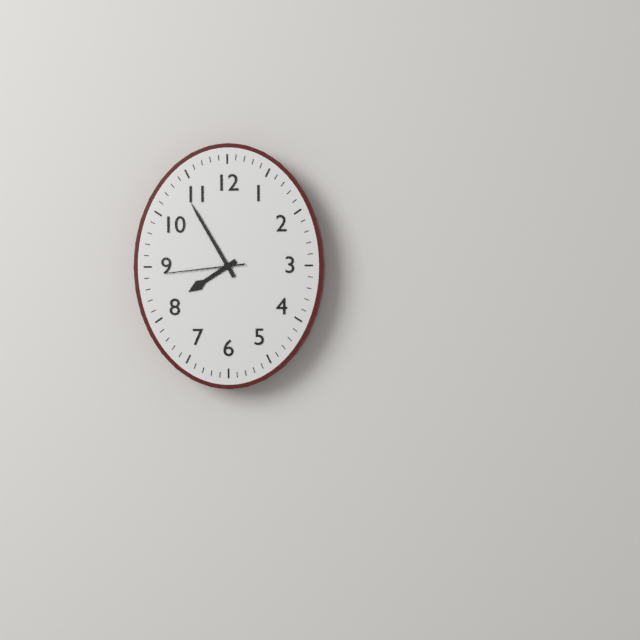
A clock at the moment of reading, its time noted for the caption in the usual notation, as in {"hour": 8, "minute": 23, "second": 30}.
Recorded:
{"hour": 7, "minute": 55, "second": 44}
